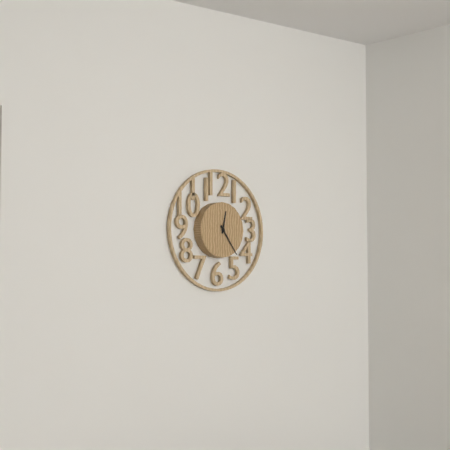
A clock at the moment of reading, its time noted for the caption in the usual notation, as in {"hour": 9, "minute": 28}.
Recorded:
{"hour": 12, "minute": 24}
